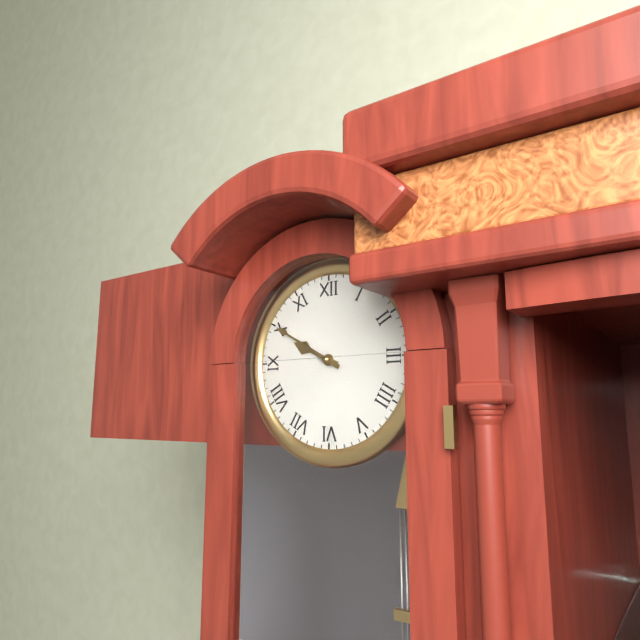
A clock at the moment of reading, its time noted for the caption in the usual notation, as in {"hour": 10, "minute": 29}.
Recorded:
{"hour": 9, "minute": 50}
